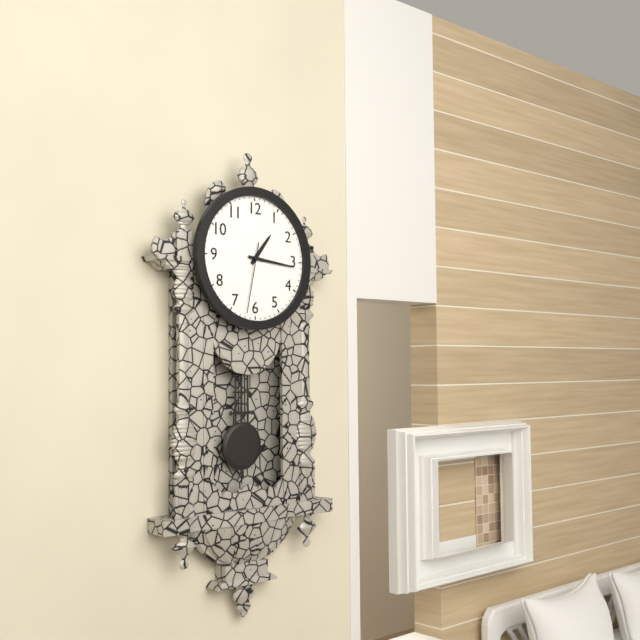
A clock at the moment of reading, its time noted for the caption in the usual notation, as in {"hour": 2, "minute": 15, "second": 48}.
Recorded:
{"hour": 1, "minute": 16, "second": 32}
